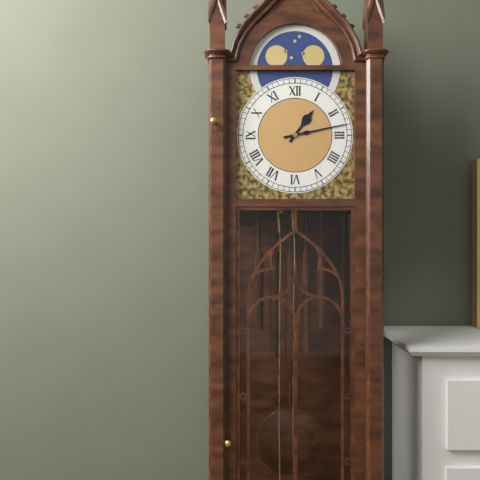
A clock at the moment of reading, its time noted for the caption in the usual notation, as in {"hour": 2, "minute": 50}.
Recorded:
{"hour": 1, "minute": 13}
